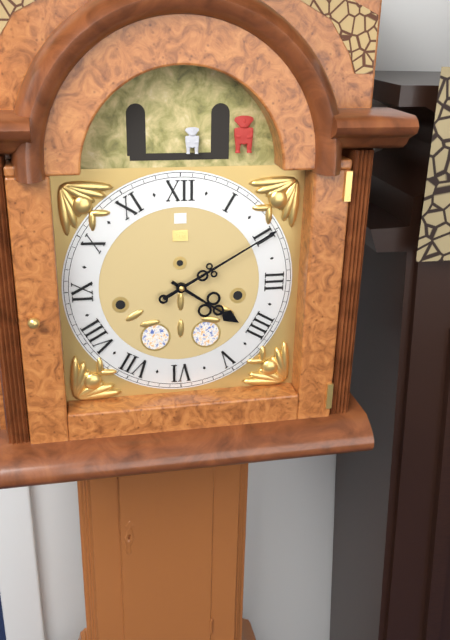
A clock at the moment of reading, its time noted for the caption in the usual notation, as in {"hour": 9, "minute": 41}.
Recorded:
{"hour": 4, "minute": 10}
